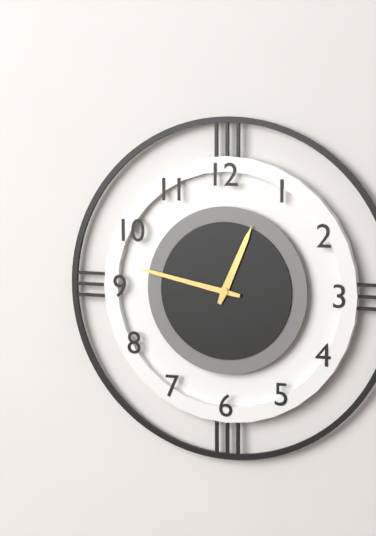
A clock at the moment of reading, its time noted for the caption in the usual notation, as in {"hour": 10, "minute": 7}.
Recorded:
{"hour": 12, "minute": 47}
